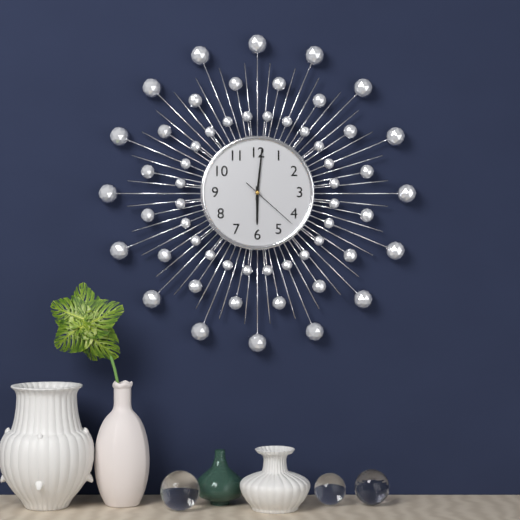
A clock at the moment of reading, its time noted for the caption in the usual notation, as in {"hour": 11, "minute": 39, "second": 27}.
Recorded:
{"hour": 6, "minute": 1, "second": 22}
